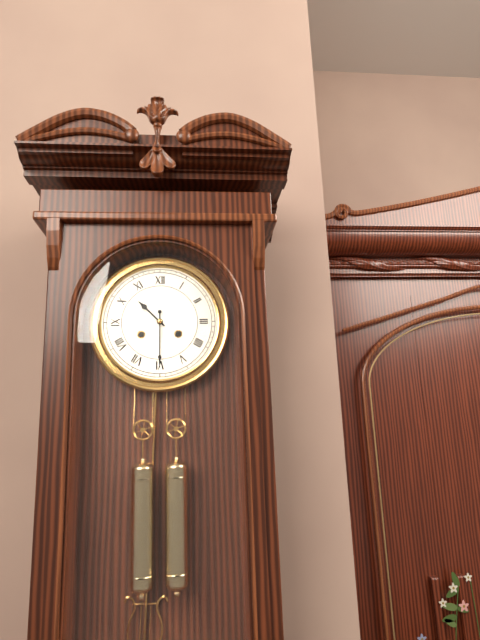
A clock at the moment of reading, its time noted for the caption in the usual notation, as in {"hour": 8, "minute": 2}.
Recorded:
{"hour": 10, "minute": 30}
